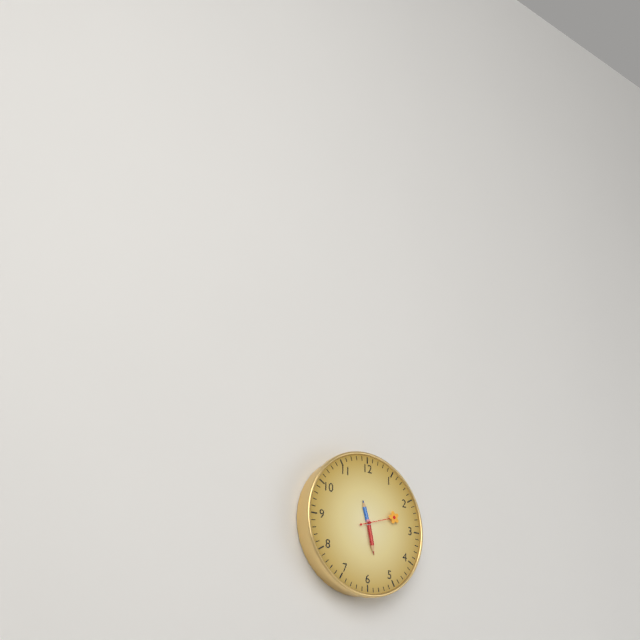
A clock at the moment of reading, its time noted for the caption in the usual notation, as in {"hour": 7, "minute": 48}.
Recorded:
{"hour": 11, "minute": 28}
